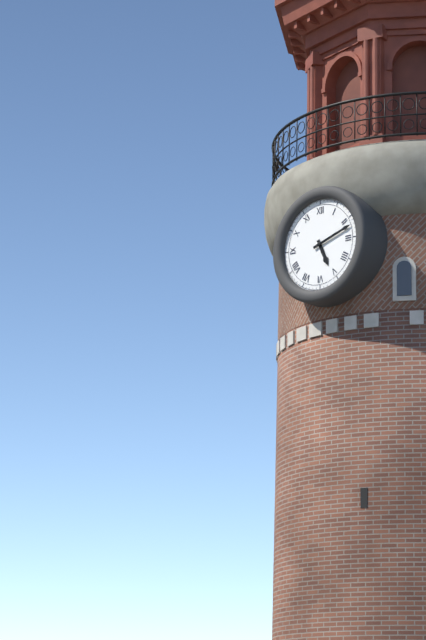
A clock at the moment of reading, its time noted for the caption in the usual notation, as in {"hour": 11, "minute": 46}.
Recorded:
{"hour": 5, "minute": 12}
